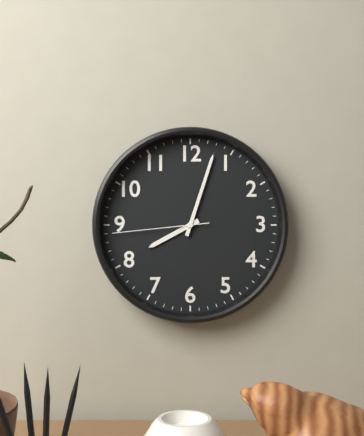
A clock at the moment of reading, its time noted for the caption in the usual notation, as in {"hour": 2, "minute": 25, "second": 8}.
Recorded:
{"hour": 8, "minute": 3, "second": 44}
